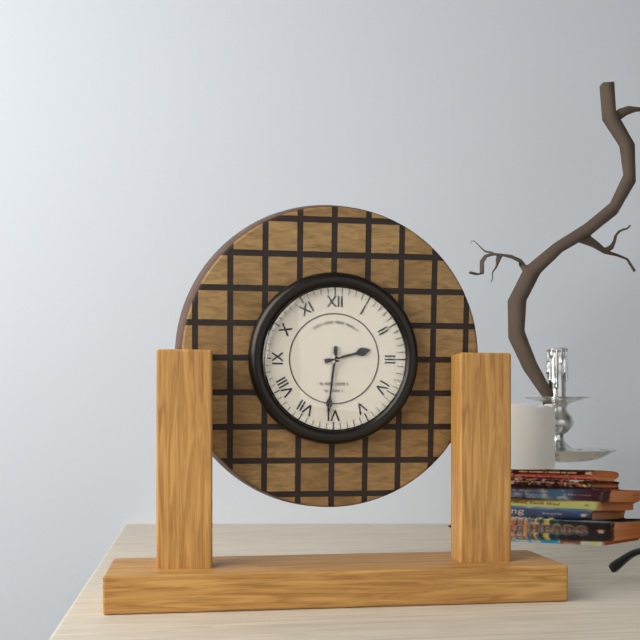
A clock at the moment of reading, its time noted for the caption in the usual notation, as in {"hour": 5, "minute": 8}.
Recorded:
{"hour": 2, "minute": 31}
